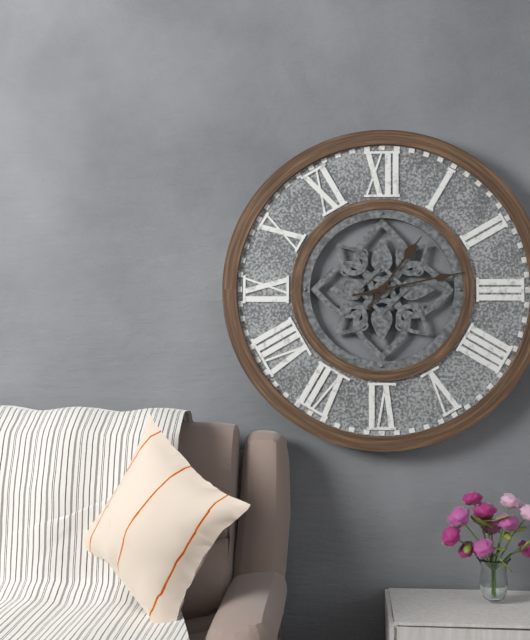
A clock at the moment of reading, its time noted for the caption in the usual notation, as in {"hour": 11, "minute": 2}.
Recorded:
{"hour": 1, "minute": 13}
